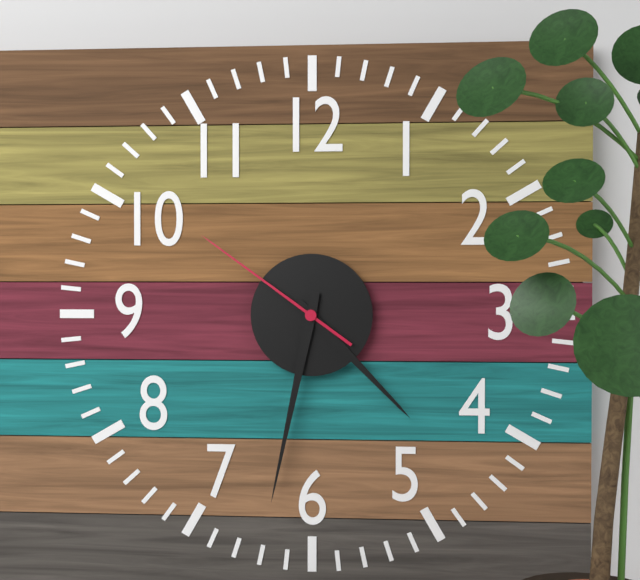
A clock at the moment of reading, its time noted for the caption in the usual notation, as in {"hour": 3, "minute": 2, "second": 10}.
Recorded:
{"hour": 4, "minute": 32, "second": 51}
